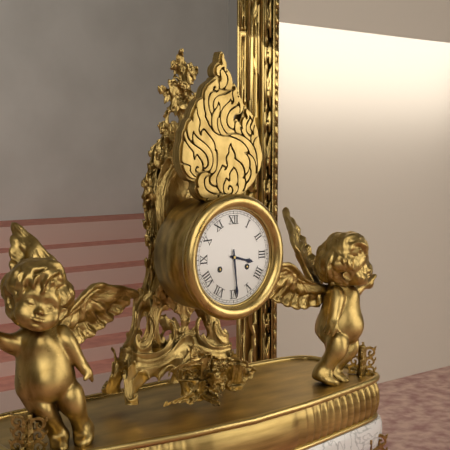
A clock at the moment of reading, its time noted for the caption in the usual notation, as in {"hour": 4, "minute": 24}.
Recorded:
{"hour": 3, "minute": 29}
